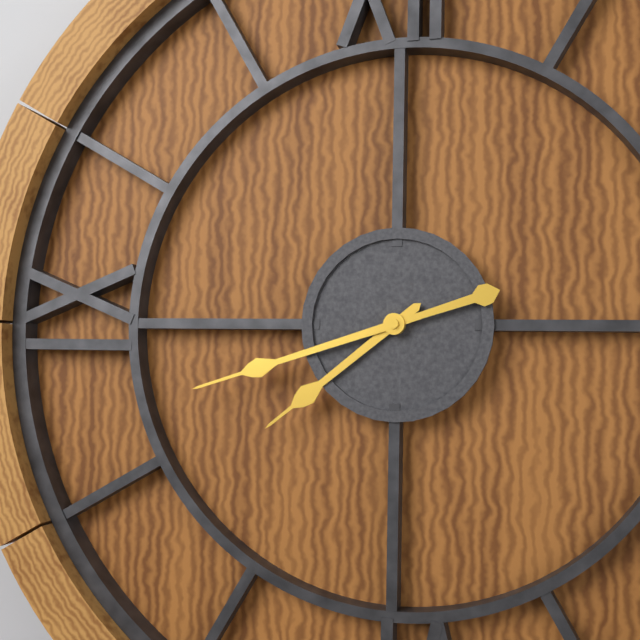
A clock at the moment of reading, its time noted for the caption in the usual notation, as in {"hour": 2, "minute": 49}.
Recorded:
{"hour": 7, "minute": 42}
